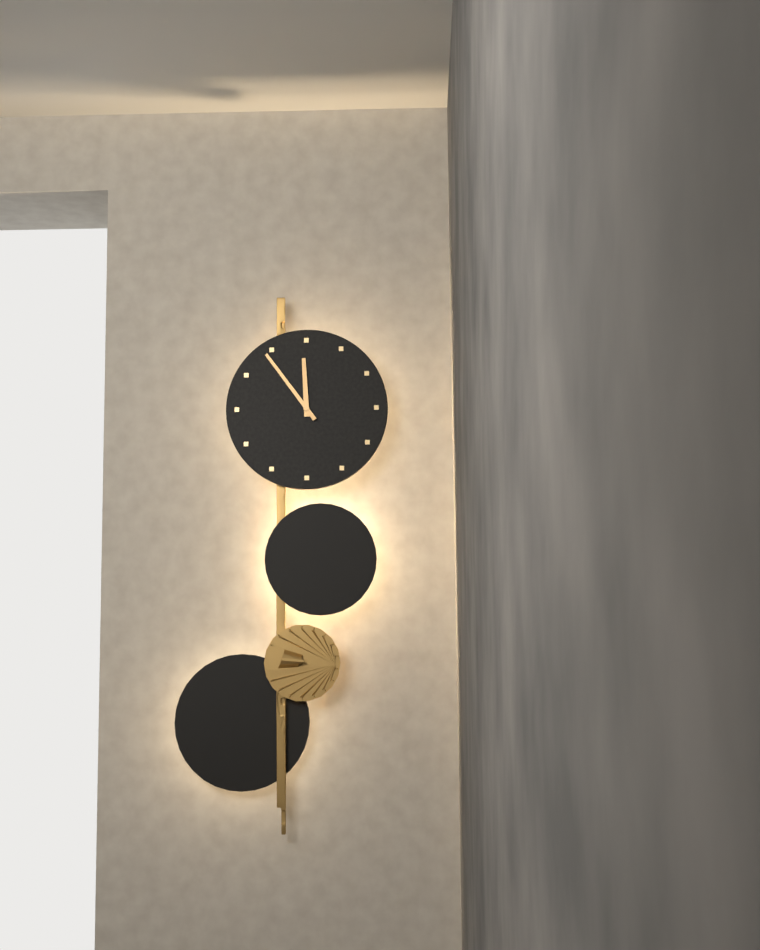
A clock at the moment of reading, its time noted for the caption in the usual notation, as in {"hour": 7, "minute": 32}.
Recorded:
{"hour": 11, "minute": 54}
